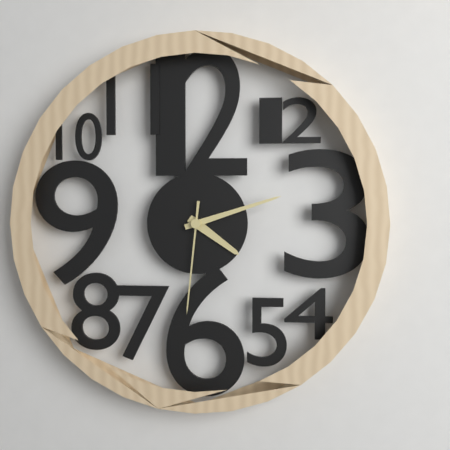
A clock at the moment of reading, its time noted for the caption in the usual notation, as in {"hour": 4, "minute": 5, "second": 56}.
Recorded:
{"hour": 4, "minute": 12, "second": 31}
